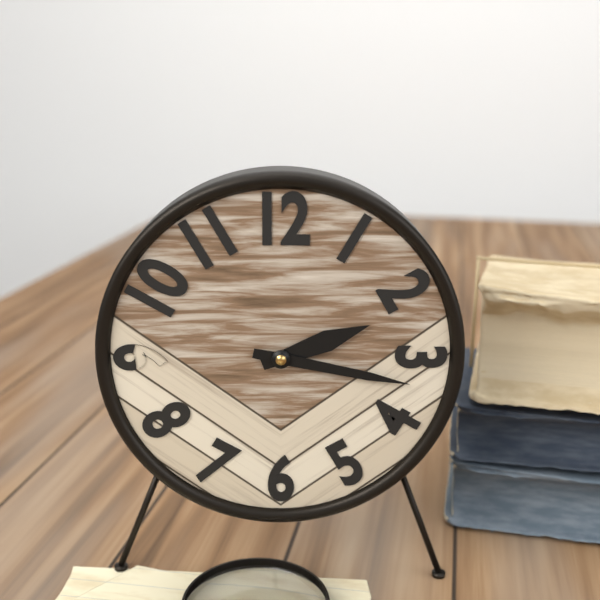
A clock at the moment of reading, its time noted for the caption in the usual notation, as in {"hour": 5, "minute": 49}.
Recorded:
{"hour": 2, "minute": 17}
